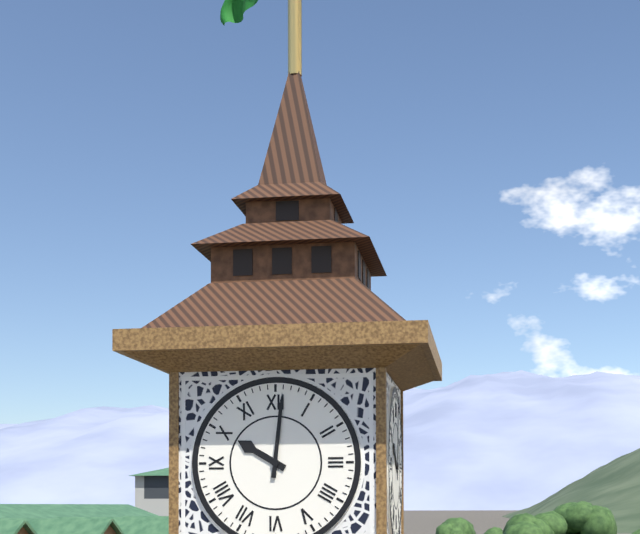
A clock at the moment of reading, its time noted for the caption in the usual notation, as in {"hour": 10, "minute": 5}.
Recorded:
{"hour": 10, "minute": 1}
